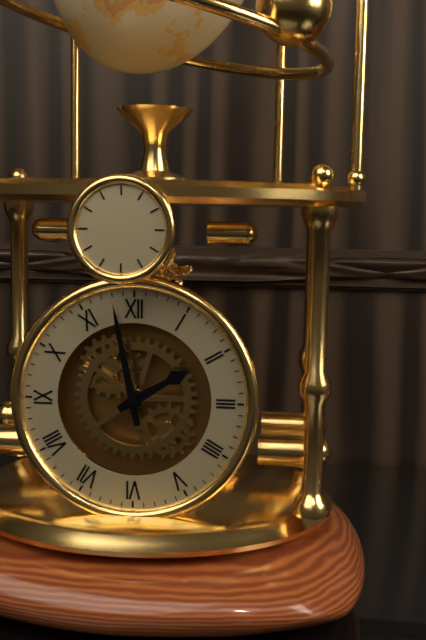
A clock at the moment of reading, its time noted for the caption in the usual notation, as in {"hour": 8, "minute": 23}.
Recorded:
{"hour": 1, "minute": 58}
